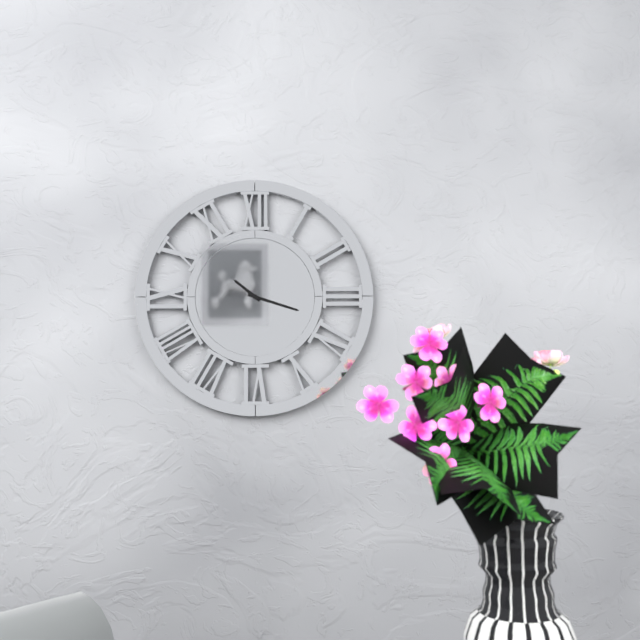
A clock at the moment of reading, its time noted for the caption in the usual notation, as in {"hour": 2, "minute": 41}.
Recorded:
{"hour": 10, "minute": 18}
